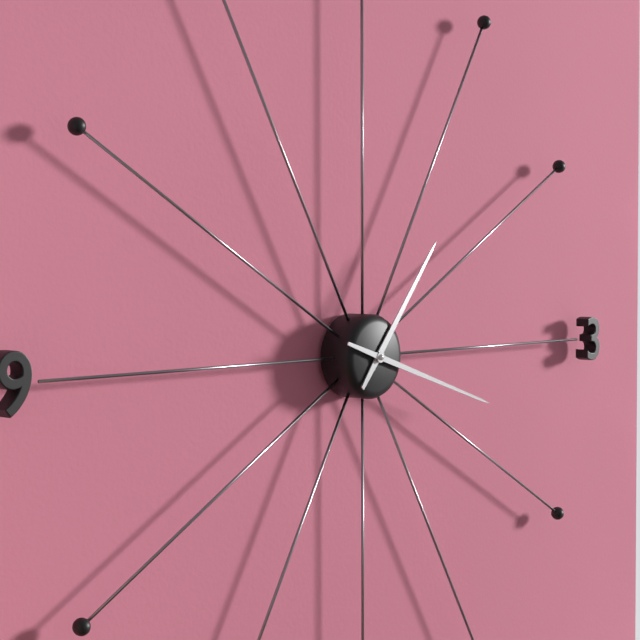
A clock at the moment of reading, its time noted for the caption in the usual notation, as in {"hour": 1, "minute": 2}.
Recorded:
{"hour": 1, "minute": 18}
